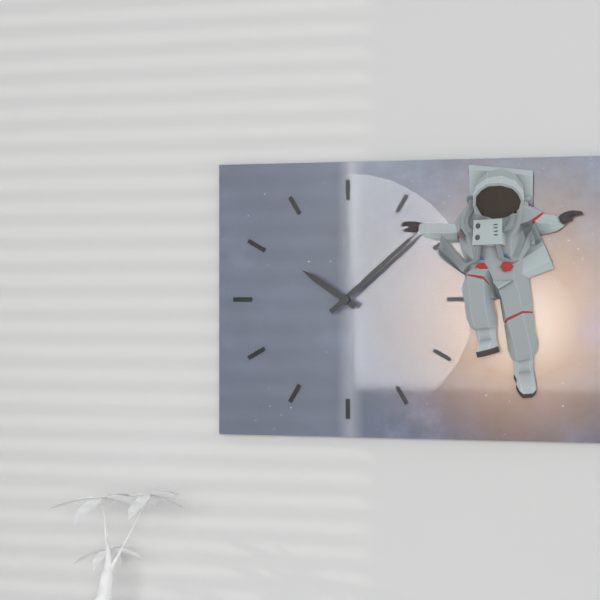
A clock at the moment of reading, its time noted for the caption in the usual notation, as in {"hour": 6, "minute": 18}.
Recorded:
{"hour": 10, "minute": 8}
